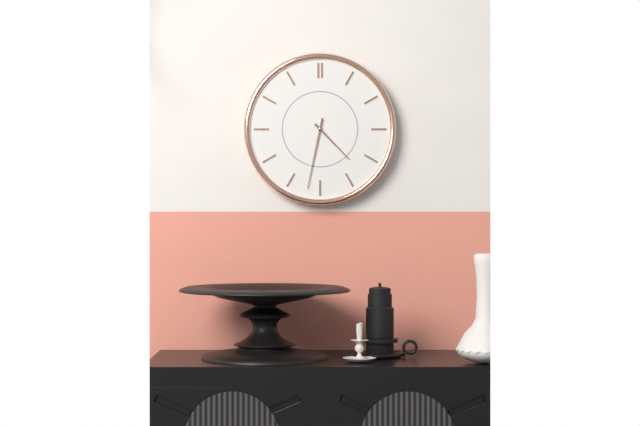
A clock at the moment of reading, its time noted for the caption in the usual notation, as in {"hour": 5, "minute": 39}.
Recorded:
{"hour": 4, "minute": 32}
